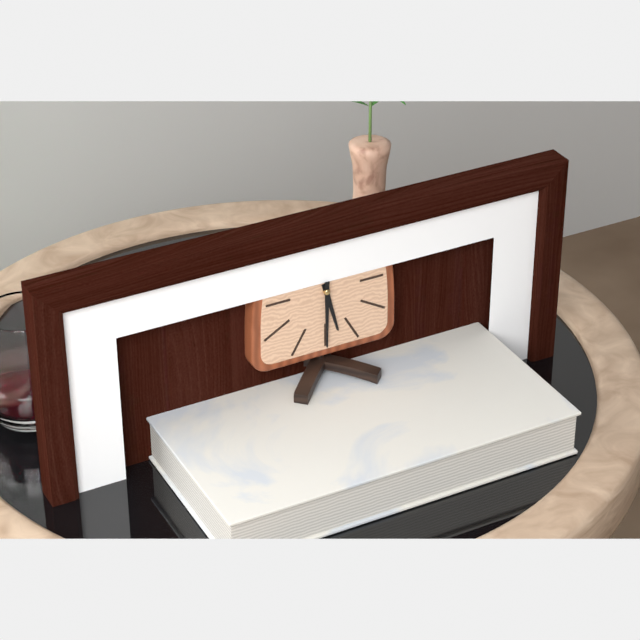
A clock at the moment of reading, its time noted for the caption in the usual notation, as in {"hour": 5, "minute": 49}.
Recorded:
{"hour": 5, "minute": 30}
